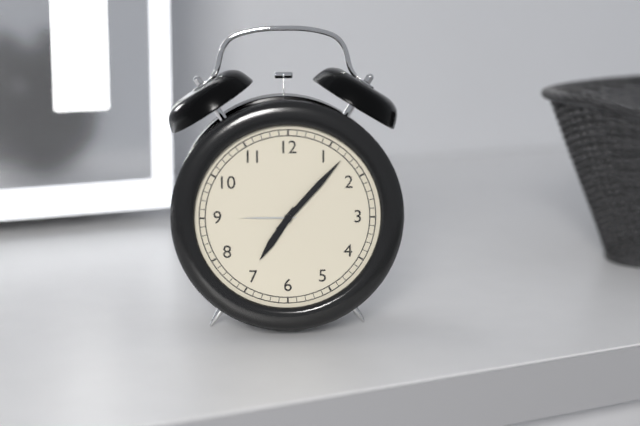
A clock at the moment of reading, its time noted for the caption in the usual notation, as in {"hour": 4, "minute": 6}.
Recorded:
{"hour": 7, "minute": 7}
